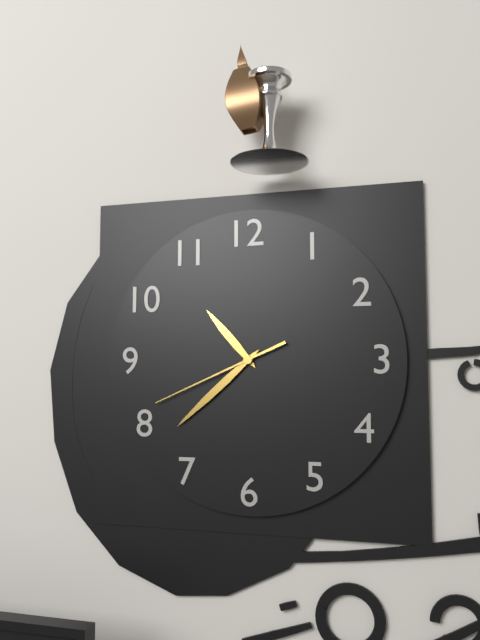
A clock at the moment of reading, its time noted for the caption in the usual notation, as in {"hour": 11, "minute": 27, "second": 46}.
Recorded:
{"hour": 10, "minute": 38, "second": 41}
